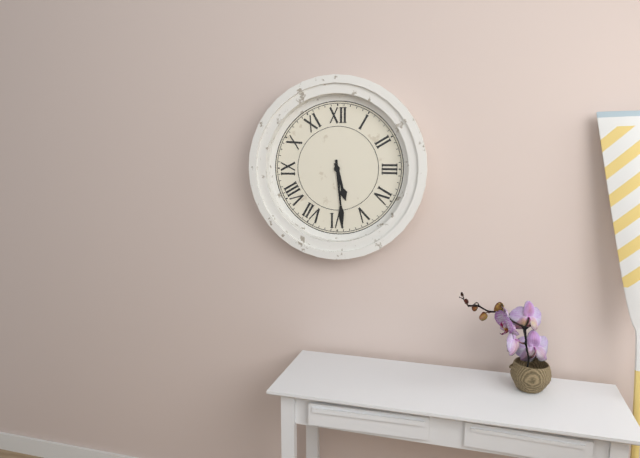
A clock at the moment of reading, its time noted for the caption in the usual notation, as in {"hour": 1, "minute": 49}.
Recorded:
{"hour": 5, "minute": 29}
